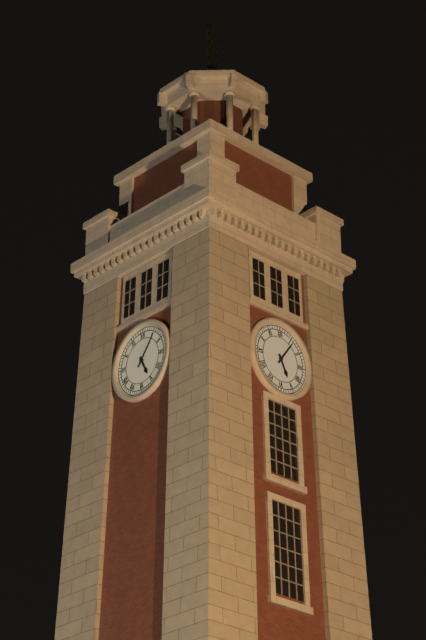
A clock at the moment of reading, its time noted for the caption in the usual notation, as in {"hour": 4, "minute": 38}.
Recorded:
{"hour": 5, "minute": 6}
